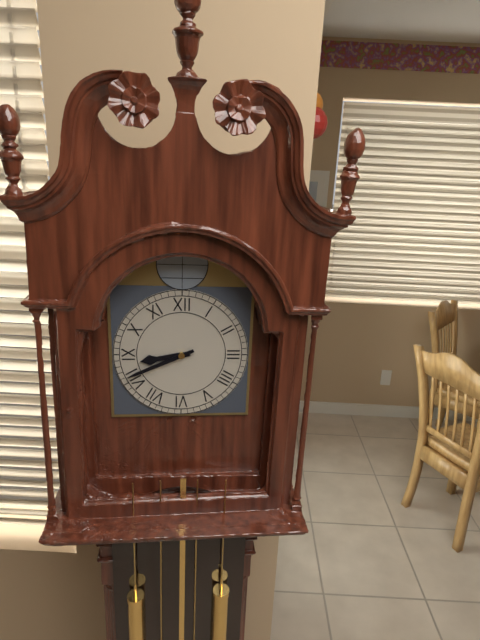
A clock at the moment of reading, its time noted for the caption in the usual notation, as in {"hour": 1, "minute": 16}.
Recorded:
{"hour": 8, "minute": 41}
